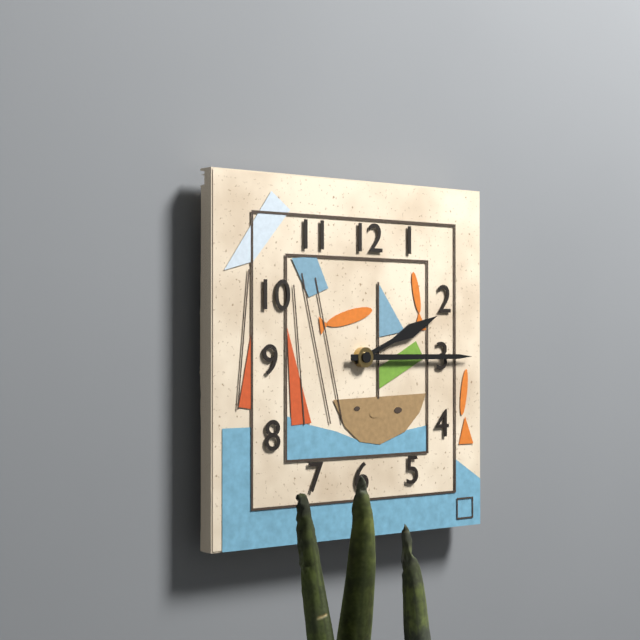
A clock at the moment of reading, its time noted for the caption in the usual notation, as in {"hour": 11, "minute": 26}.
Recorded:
{"hour": 2, "minute": 15}
